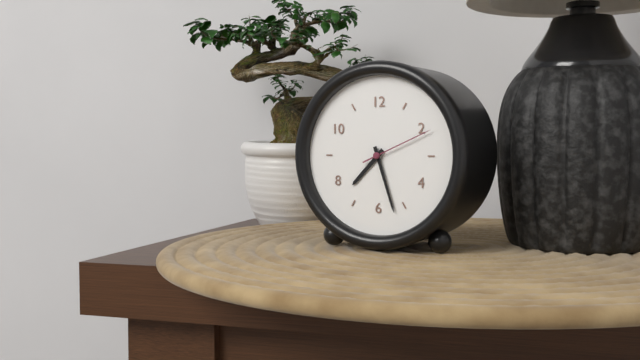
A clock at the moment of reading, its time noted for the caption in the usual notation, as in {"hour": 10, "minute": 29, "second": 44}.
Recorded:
{"hour": 7, "minute": 27, "second": 11}
